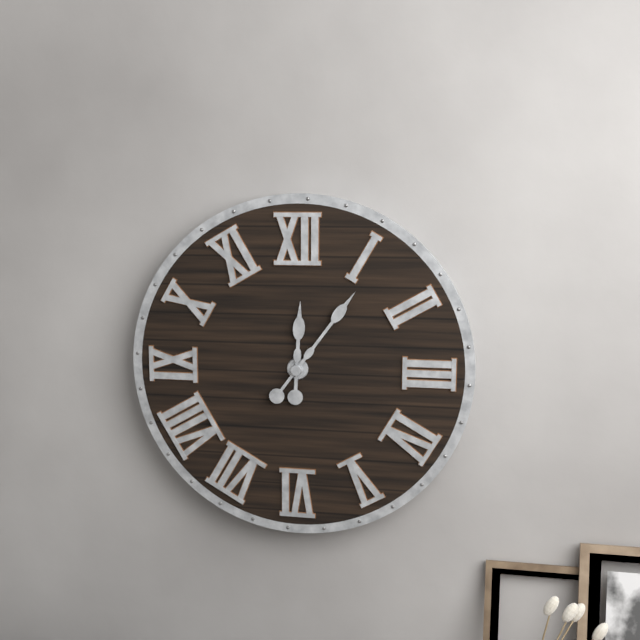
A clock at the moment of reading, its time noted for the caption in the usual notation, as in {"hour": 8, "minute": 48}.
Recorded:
{"hour": 12, "minute": 6}
